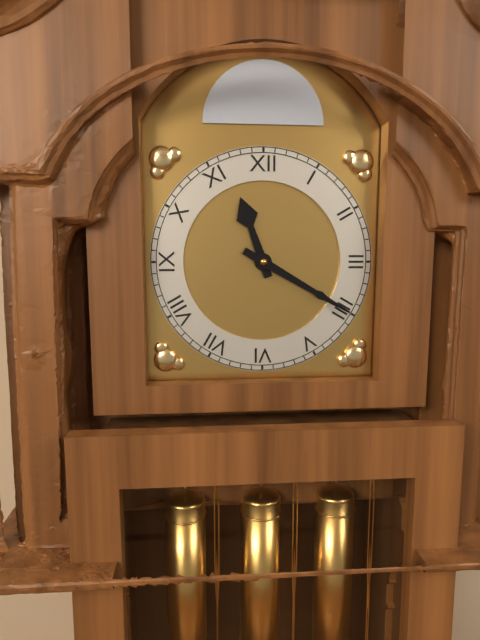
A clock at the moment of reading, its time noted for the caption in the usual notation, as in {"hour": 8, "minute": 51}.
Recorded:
{"hour": 11, "minute": 20}
